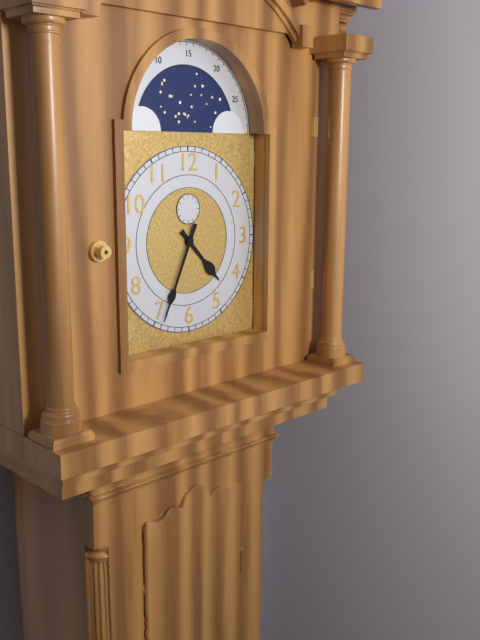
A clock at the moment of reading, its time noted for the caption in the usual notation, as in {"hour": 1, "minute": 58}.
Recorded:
{"hour": 4, "minute": 34}
